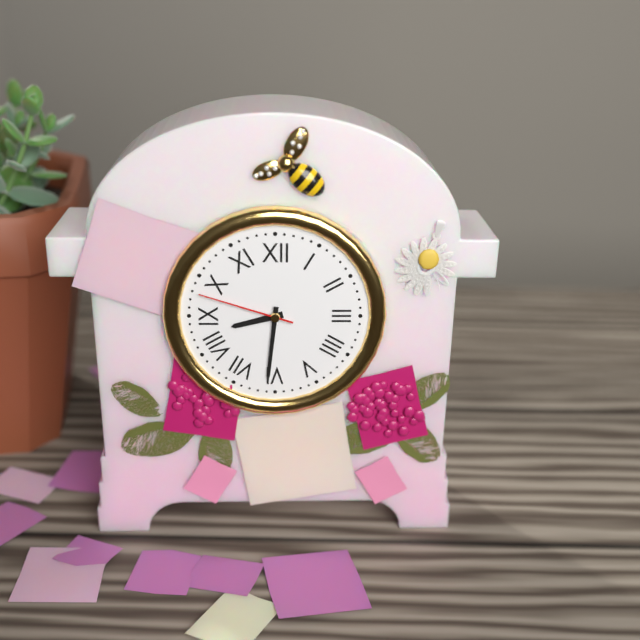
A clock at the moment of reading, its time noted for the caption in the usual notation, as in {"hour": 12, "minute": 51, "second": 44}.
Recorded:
{"hour": 8, "minute": 31, "second": 48}
